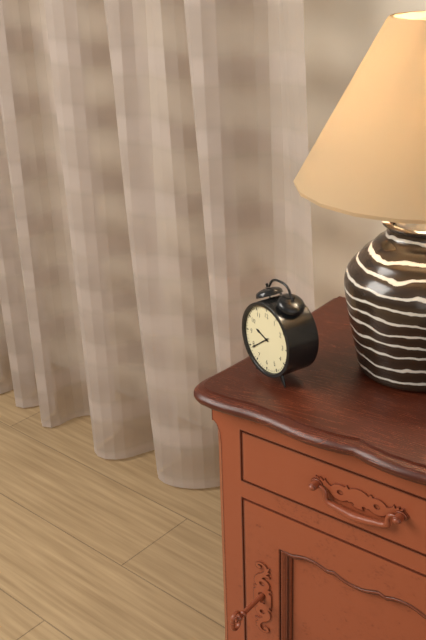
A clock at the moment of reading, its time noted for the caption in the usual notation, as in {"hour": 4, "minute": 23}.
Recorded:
{"hour": 9, "minute": 39}
